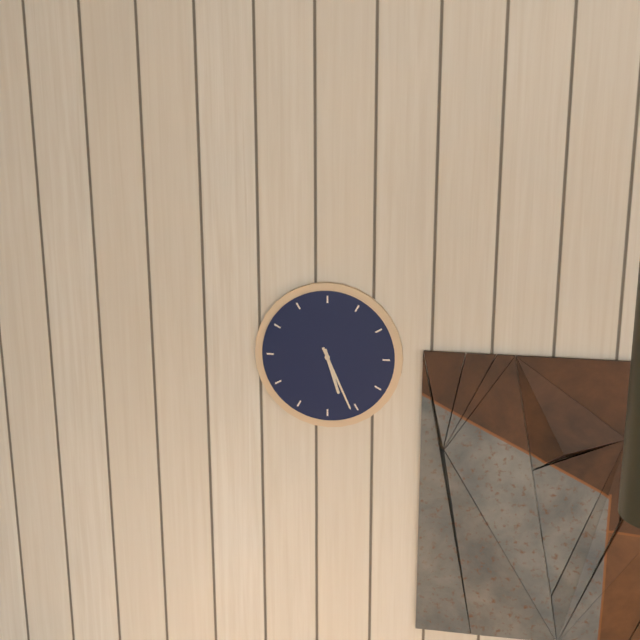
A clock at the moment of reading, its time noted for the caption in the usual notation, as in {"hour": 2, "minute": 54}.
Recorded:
{"hour": 5, "minute": 26}
